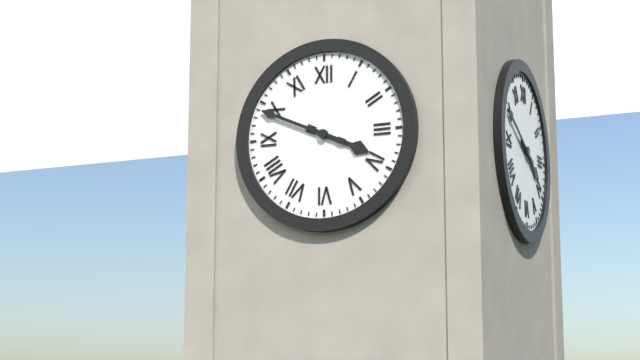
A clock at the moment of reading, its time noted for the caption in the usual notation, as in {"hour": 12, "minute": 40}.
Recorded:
{"hour": 3, "minute": 49}
